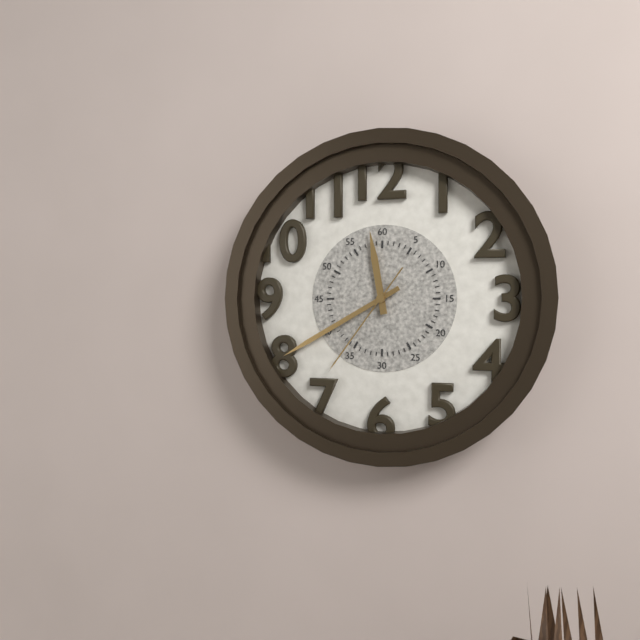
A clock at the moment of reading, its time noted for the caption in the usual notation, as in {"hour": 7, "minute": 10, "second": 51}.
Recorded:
{"hour": 11, "minute": 40, "second": 36}
